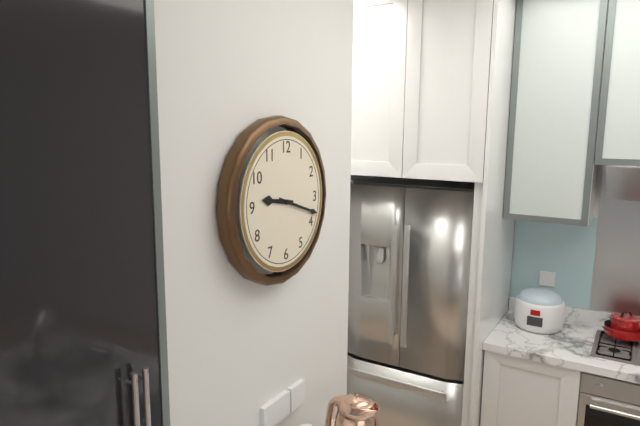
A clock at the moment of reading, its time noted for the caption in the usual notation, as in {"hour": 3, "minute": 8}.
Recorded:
{"hour": 9, "minute": 18}
